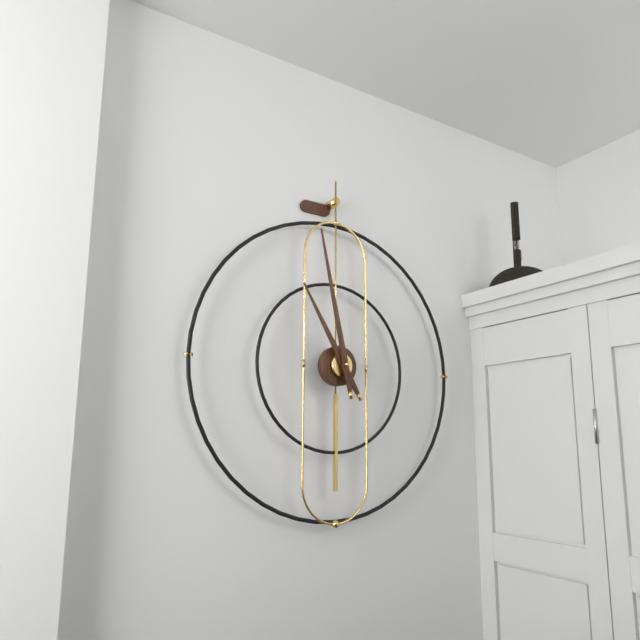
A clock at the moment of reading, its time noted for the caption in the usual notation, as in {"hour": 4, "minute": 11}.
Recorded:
{"hour": 10, "minute": 58}
